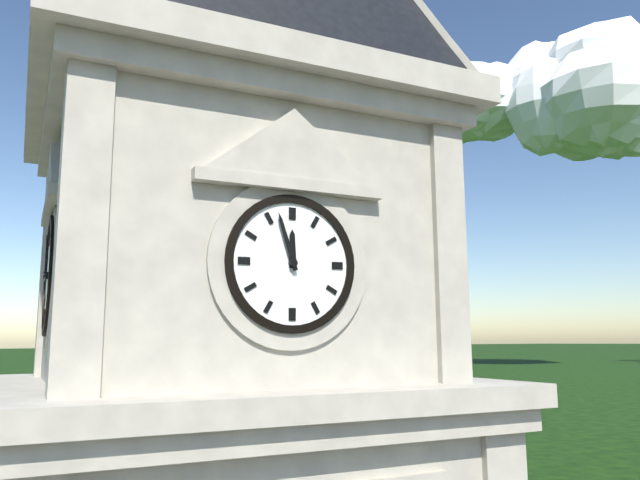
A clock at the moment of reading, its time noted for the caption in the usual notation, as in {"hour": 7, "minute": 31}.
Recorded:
{"hour": 11, "minute": 57}
